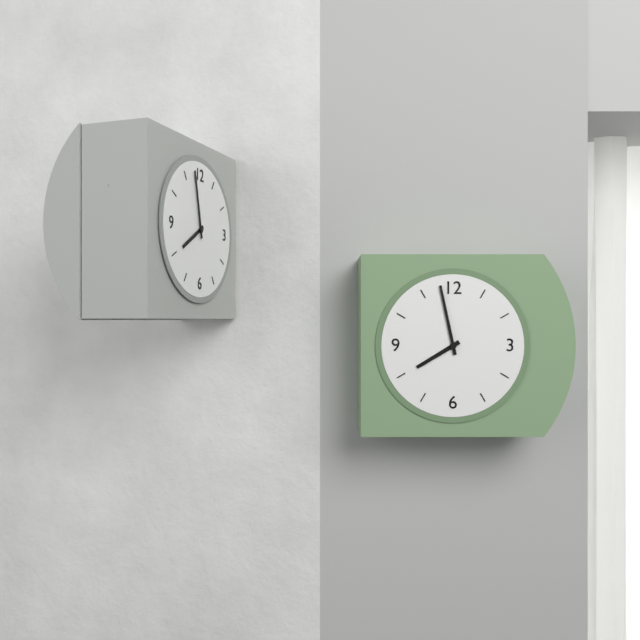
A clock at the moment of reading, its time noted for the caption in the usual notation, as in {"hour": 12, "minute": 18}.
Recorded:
{"hour": 7, "minute": 58}
